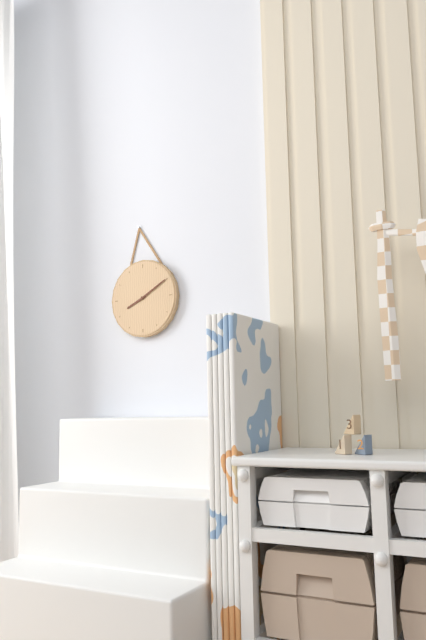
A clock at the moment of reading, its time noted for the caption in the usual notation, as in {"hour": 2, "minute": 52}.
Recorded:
{"hour": 8, "minute": 10}
